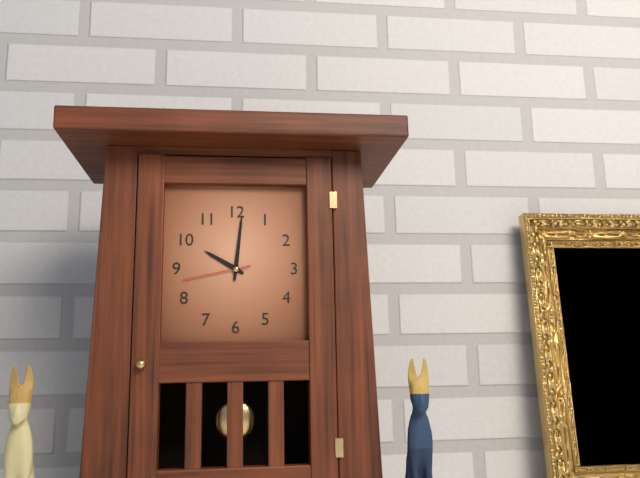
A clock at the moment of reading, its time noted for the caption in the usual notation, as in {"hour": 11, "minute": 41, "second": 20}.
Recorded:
{"hour": 10, "minute": 1, "second": 43}
